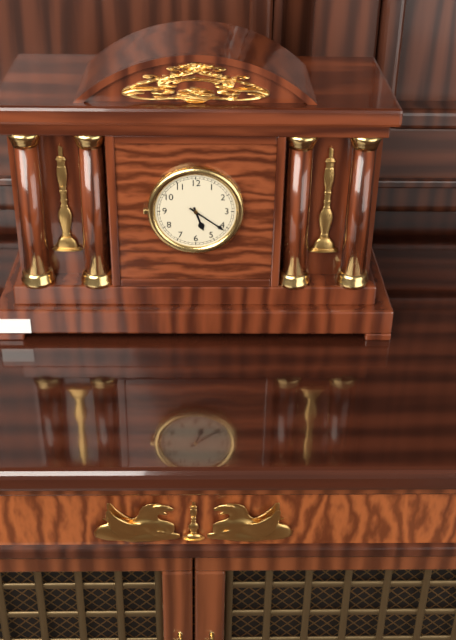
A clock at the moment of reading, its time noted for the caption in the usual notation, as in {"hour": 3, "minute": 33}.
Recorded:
{"hour": 5, "minute": 21}
